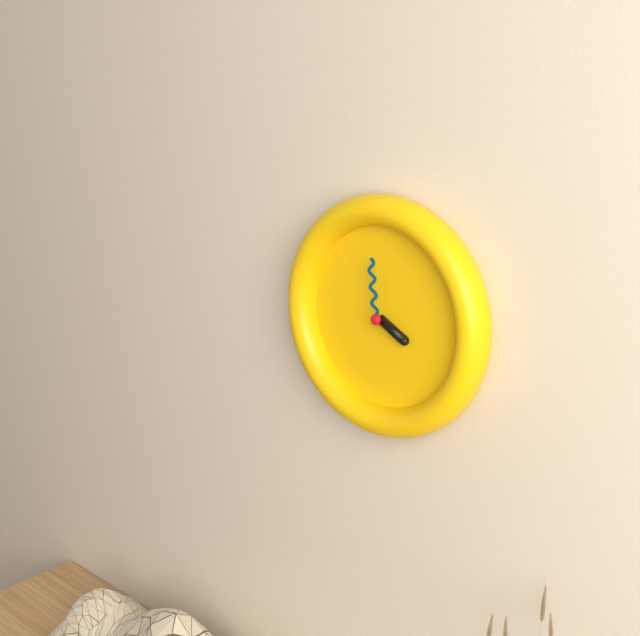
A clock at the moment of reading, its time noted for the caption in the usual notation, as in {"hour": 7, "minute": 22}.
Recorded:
{"hour": 3, "minute": 59}
